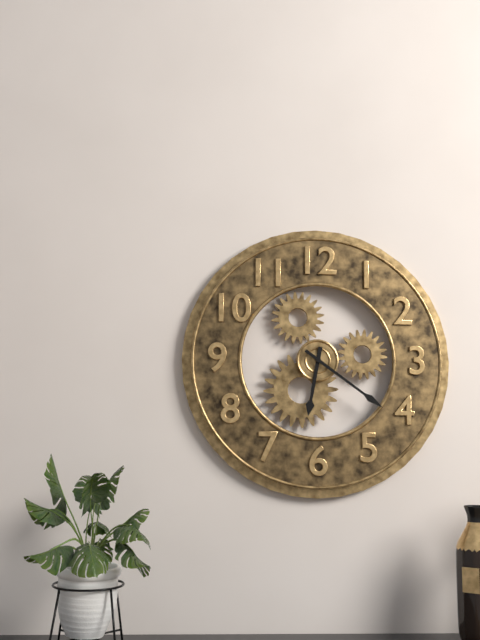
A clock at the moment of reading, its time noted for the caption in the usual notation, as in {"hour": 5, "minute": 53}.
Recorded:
{"hour": 6, "minute": 21}
